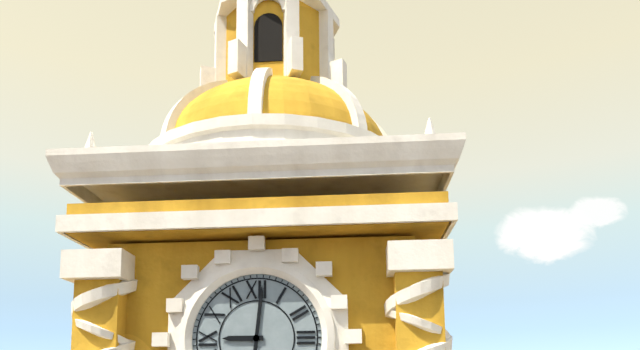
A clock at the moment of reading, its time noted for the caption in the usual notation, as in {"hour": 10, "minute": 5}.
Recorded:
{"hour": 9, "minute": 1}
